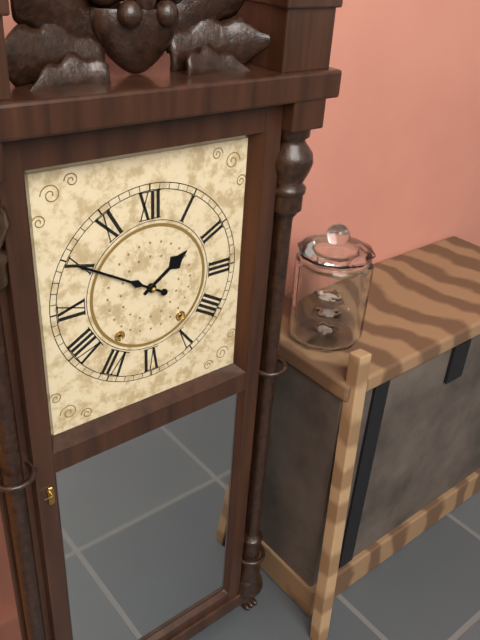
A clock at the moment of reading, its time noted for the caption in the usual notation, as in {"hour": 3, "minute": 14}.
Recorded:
{"hour": 1, "minute": 50}
